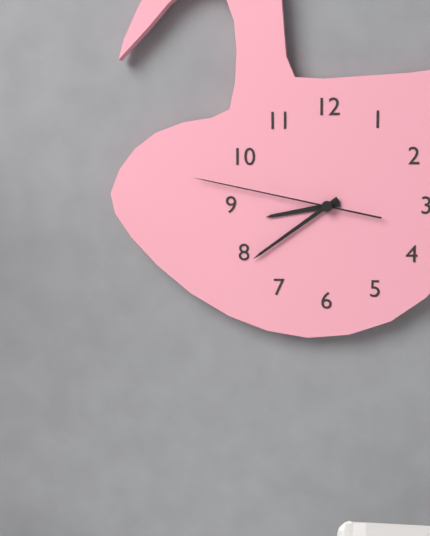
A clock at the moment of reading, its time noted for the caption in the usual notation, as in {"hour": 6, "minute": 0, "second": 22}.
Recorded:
{"hour": 8, "minute": 39, "second": 47}
